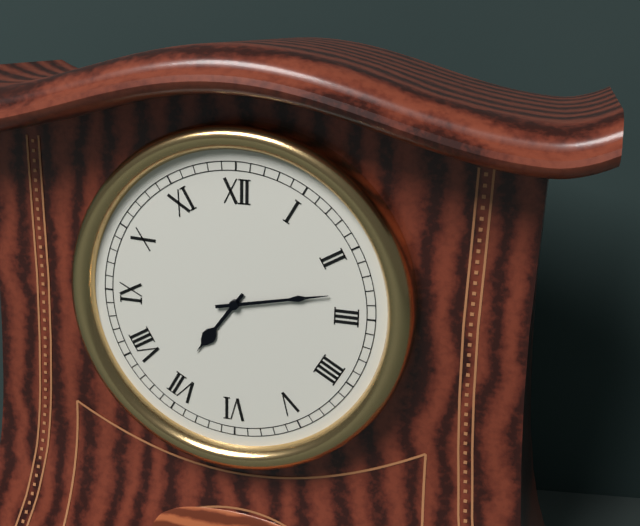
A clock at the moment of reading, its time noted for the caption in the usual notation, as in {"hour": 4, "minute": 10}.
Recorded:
{"hour": 7, "minute": 13}
